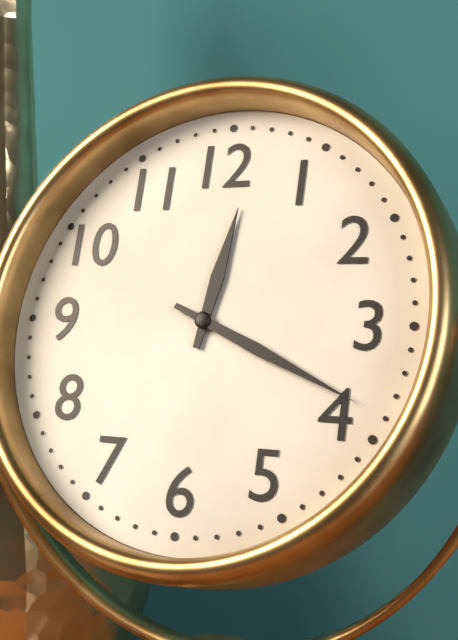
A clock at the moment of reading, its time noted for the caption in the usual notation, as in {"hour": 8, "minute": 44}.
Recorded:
{"hour": 12, "minute": 19}
